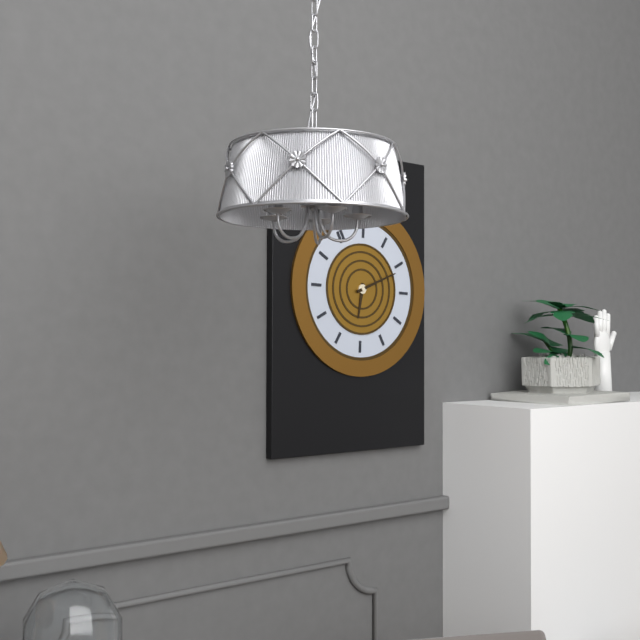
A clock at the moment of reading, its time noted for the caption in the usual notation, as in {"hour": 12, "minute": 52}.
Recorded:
{"hour": 7, "minute": 16}
